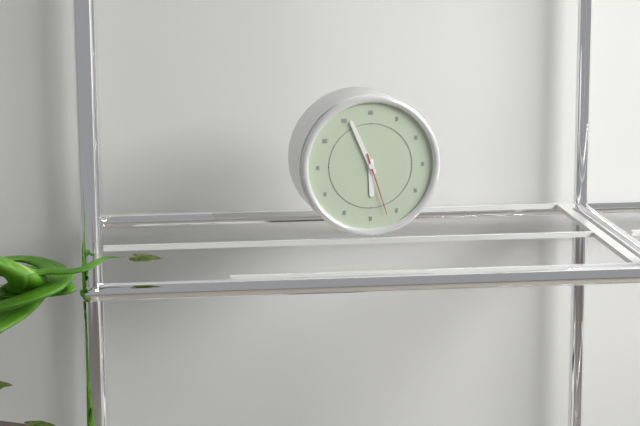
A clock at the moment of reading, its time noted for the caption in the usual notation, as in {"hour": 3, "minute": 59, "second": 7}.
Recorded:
{"hour": 5, "minute": 56, "second": 27}
